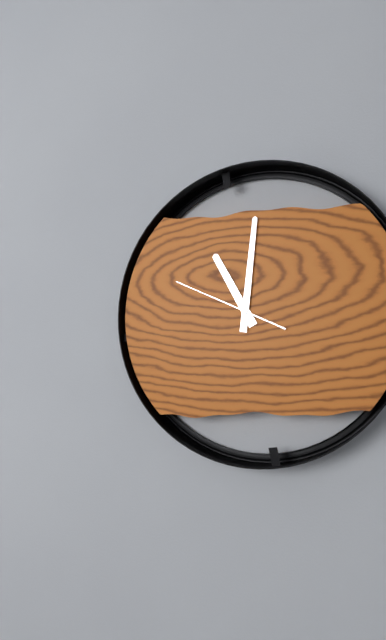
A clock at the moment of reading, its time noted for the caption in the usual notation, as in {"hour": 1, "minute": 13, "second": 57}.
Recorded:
{"hour": 11, "minute": 1, "second": 49}
